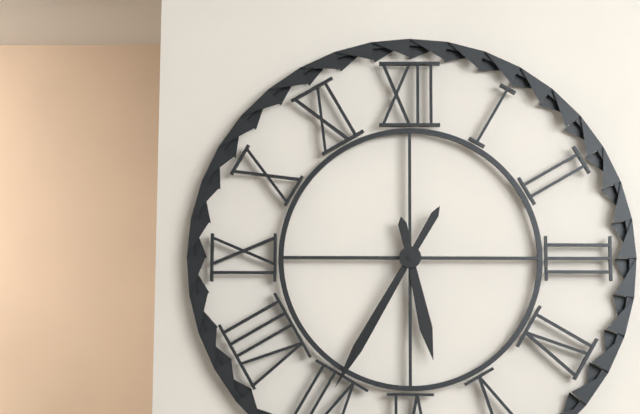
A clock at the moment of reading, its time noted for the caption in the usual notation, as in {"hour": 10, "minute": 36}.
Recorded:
{"hour": 5, "minute": 35}
